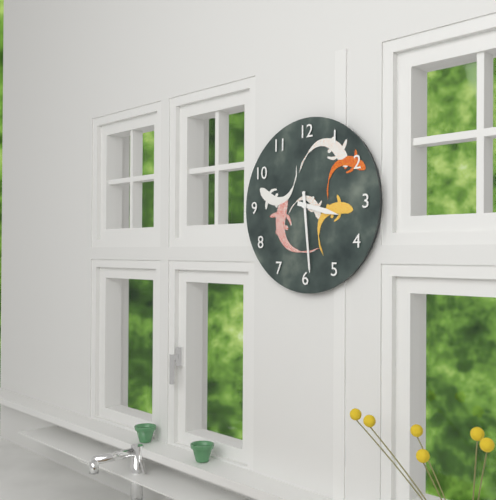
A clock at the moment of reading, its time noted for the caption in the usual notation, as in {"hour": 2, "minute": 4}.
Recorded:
{"hour": 3, "minute": 29}
